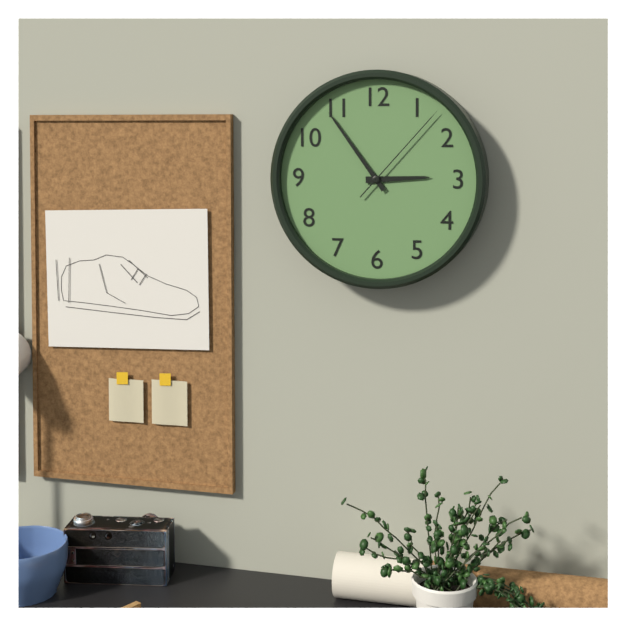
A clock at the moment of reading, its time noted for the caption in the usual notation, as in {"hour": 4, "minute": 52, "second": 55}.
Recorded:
{"hour": 2, "minute": 54, "second": 7}
